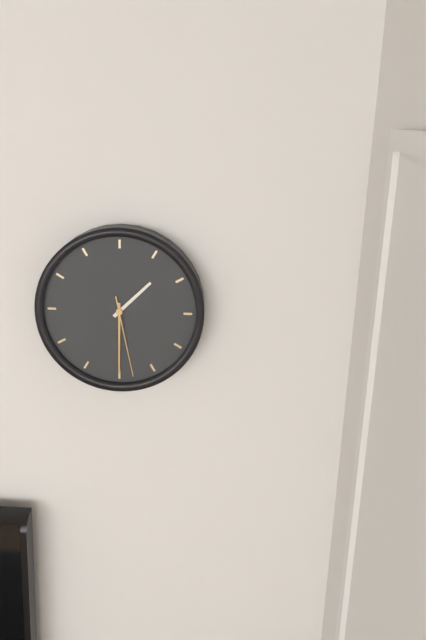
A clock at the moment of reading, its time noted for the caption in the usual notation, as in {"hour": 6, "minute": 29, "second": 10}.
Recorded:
{"hour": 1, "minute": 30, "second": 28}
